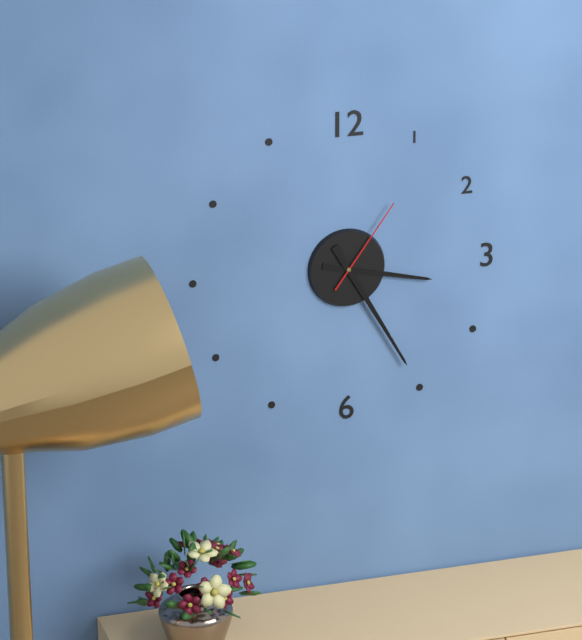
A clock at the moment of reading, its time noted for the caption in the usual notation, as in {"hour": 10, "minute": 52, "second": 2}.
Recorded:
{"hour": 3, "minute": 25, "second": 6}
